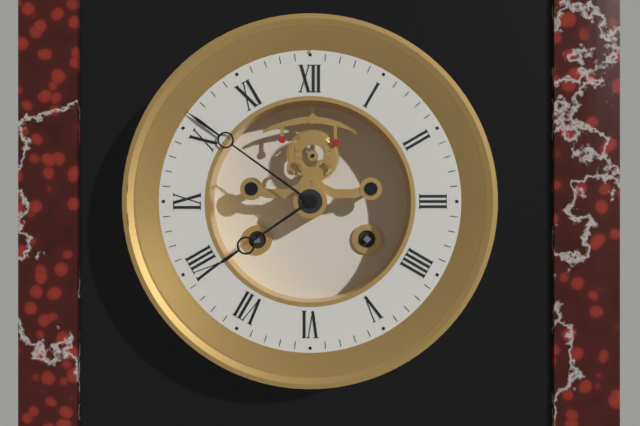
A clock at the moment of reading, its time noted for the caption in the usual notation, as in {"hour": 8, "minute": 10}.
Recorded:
{"hour": 7, "minute": 51}
